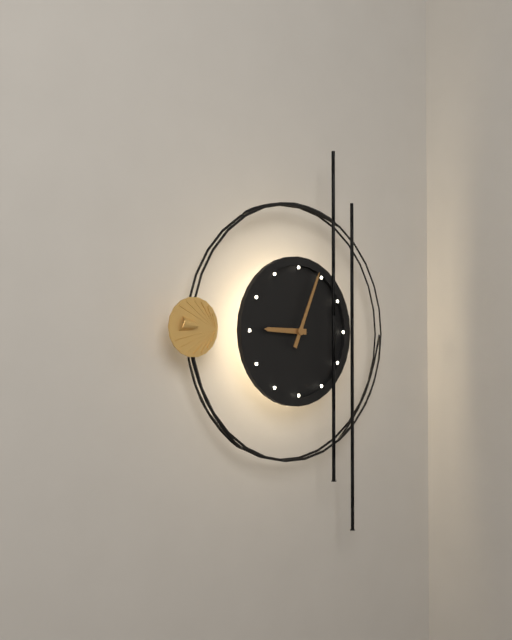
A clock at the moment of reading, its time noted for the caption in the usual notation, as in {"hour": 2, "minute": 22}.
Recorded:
{"hour": 9, "minute": 4}
